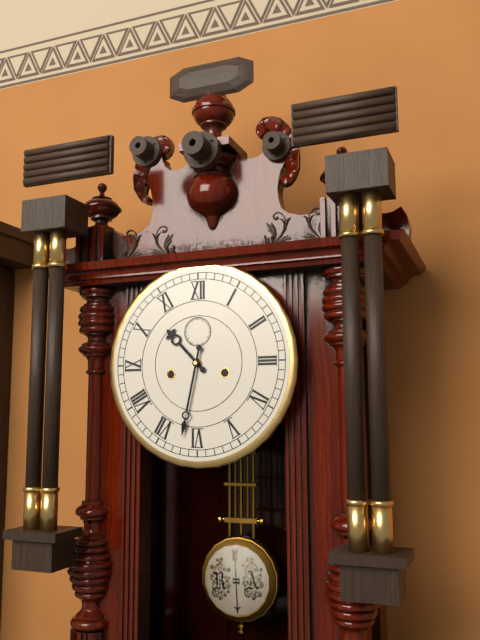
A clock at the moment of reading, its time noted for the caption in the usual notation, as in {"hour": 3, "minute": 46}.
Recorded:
{"hour": 10, "minute": 32}
